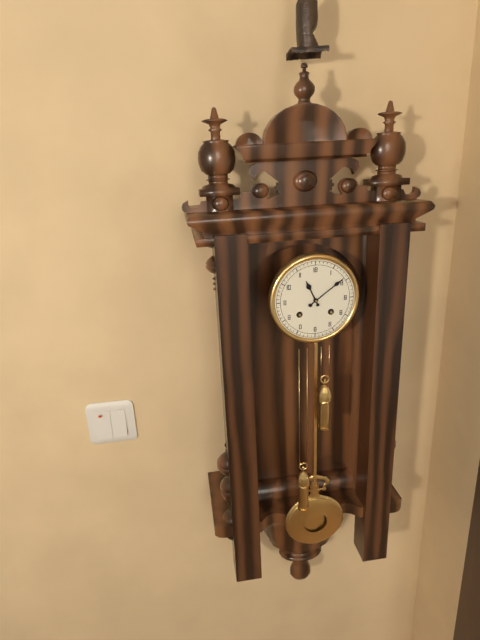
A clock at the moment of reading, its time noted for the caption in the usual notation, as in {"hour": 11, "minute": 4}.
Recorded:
{"hour": 11, "minute": 9}
